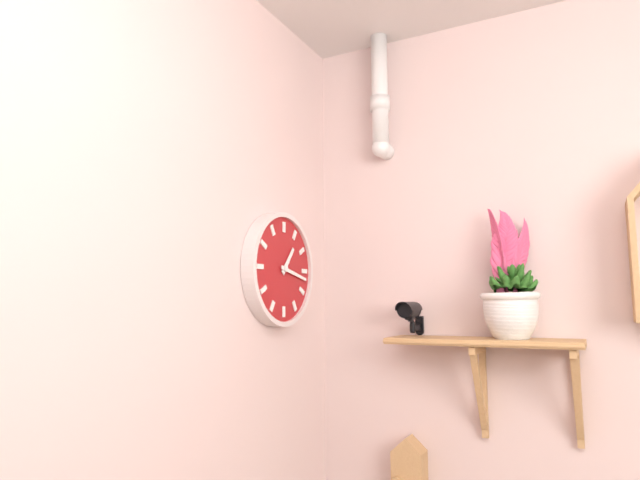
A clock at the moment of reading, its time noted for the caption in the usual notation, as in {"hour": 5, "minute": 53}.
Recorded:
{"hour": 1, "minute": 17}
